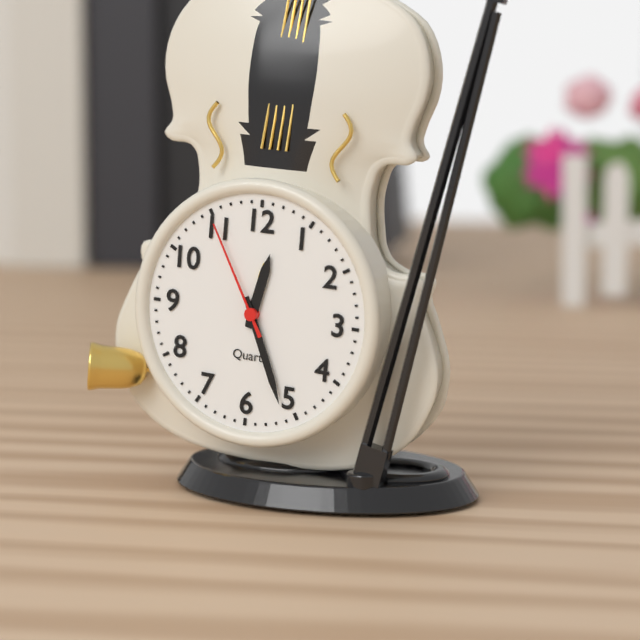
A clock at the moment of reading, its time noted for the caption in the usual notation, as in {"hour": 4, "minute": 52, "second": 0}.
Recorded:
{"hour": 12, "minute": 26, "second": 55}
